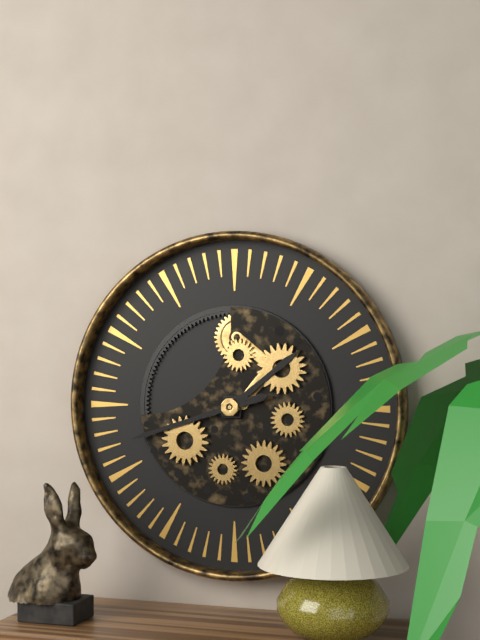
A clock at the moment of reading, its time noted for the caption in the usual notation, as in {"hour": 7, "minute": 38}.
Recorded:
{"hour": 1, "minute": 42}
